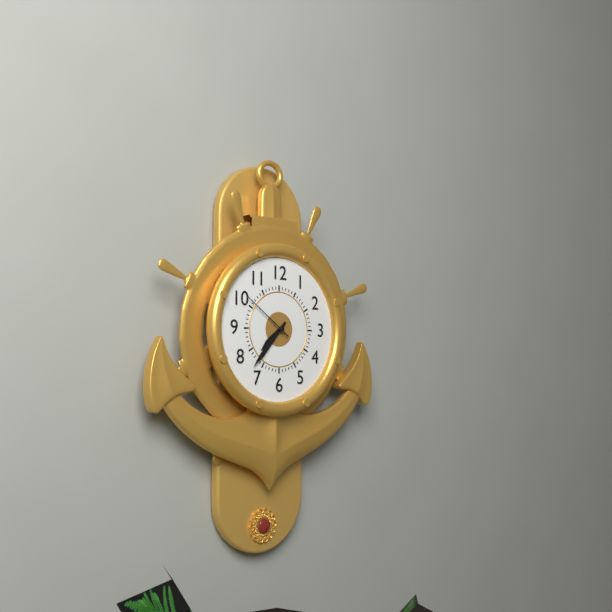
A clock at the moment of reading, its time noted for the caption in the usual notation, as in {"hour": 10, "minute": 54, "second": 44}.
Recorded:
{"hour": 7, "minute": 37, "second": 51}
